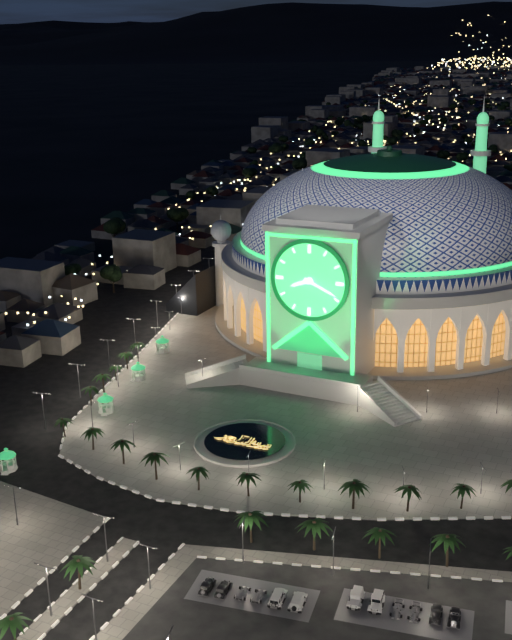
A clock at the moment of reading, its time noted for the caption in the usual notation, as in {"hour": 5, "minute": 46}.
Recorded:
{"hour": 8, "minute": 19}
